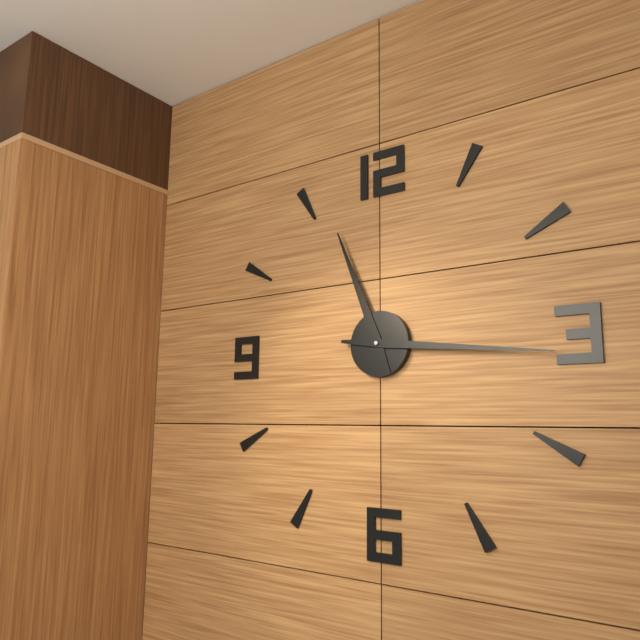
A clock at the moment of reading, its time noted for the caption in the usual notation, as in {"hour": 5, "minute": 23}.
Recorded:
{"hour": 11, "minute": 16}
